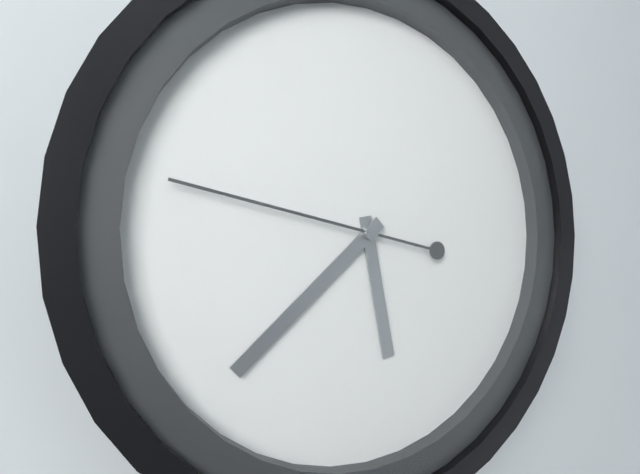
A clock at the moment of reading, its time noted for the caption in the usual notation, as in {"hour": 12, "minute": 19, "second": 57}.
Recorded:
{"hour": 5, "minute": 38, "second": 47}
